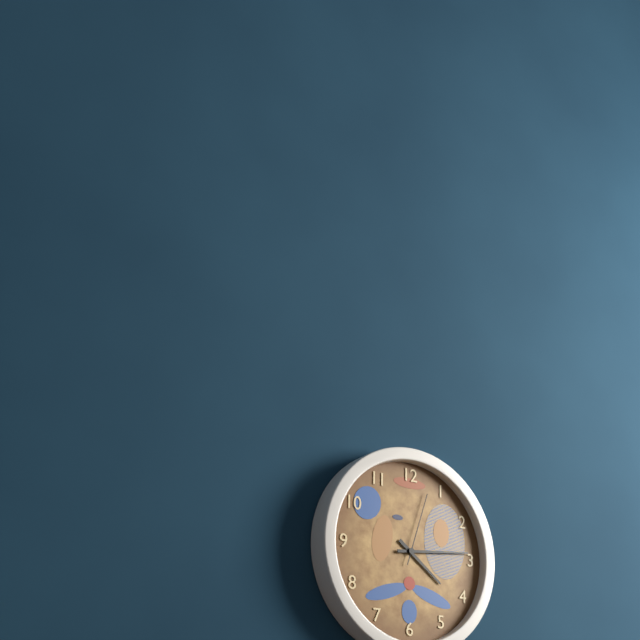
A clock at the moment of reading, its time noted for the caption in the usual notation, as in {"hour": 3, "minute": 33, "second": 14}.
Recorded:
{"hour": 4, "minute": 14, "second": 3}
